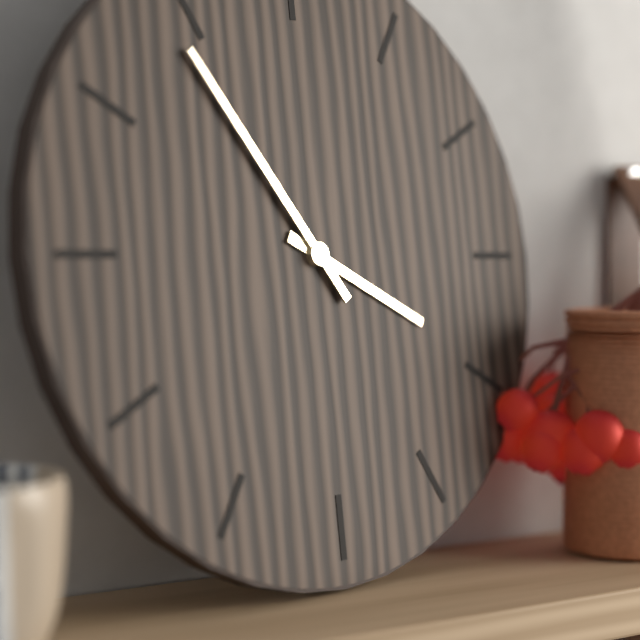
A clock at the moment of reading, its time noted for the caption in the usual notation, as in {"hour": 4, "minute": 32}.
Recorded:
{"hour": 3, "minute": 54}
